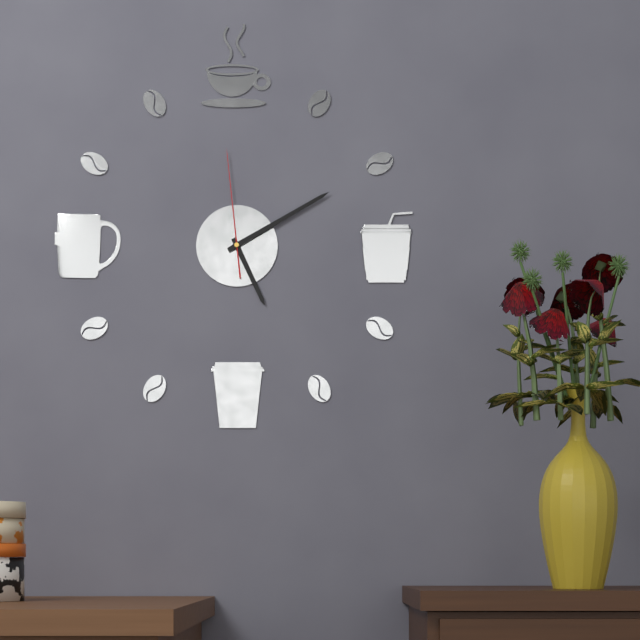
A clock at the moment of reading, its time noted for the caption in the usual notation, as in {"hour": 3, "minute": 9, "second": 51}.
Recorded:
{"hour": 5, "minute": 10, "second": 59}
